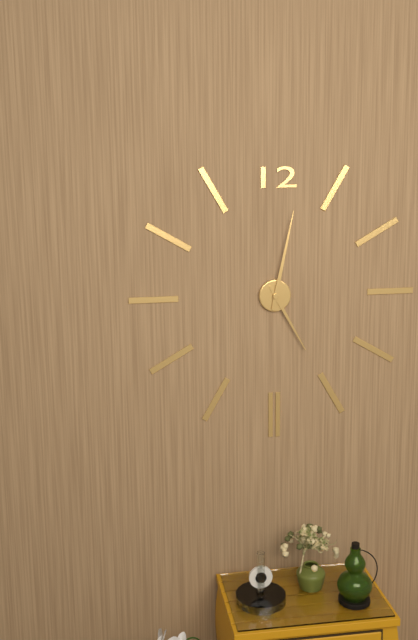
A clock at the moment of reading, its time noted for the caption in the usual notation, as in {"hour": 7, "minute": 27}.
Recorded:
{"hour": 5, "minute": 2}
